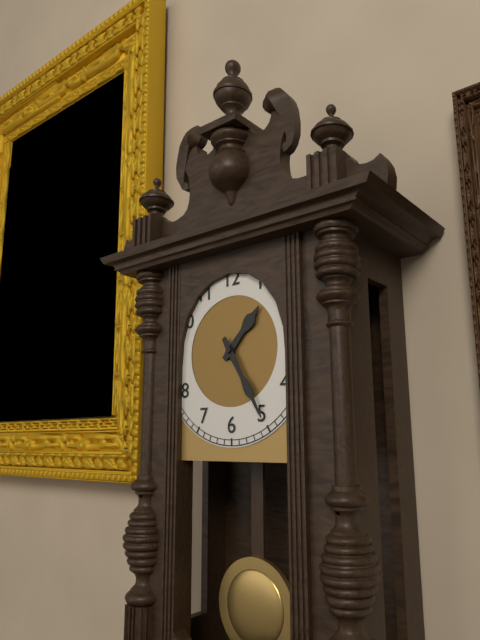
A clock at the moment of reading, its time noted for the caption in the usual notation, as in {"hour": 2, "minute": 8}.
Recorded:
{"hour": 1, "minute": 25}
